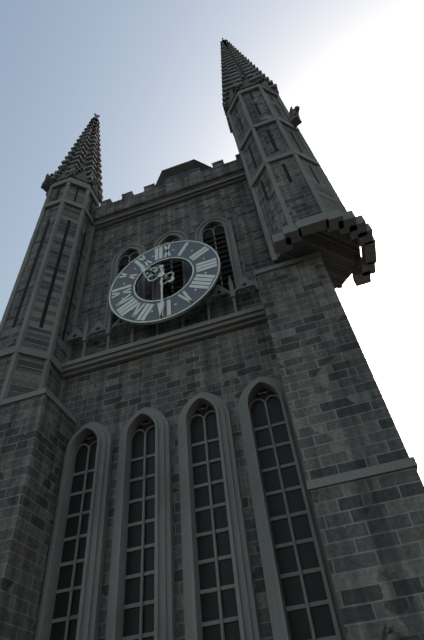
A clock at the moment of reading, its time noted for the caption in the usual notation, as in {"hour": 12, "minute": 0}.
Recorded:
{"hour": 10, "minute": 30}
